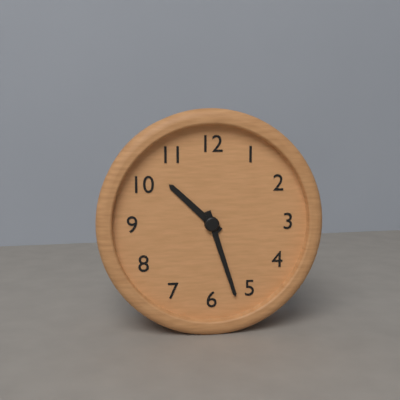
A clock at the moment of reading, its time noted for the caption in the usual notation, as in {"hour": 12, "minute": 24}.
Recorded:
{"hour": 10, "minute": 27}
